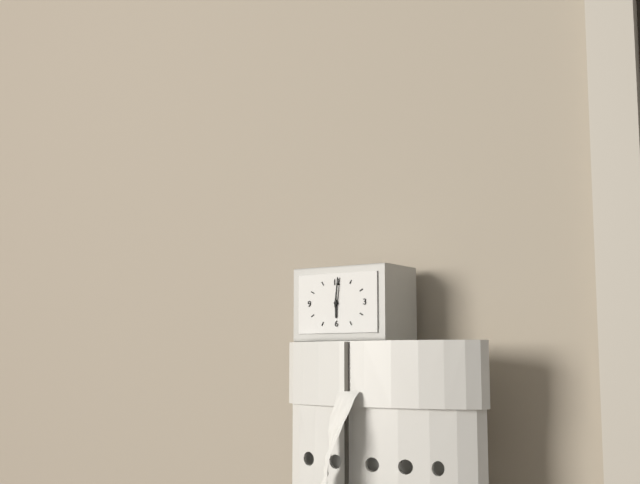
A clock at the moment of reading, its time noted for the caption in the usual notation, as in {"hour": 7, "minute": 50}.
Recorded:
{"hour": 6, "minute": 1}
